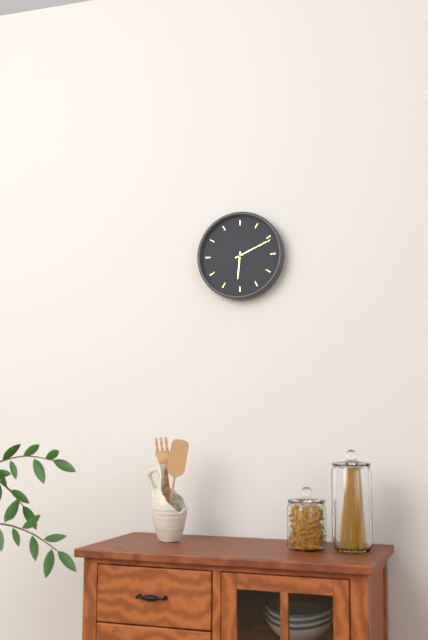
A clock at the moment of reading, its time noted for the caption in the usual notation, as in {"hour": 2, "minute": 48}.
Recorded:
{"hour": 6, "minute": 11}
